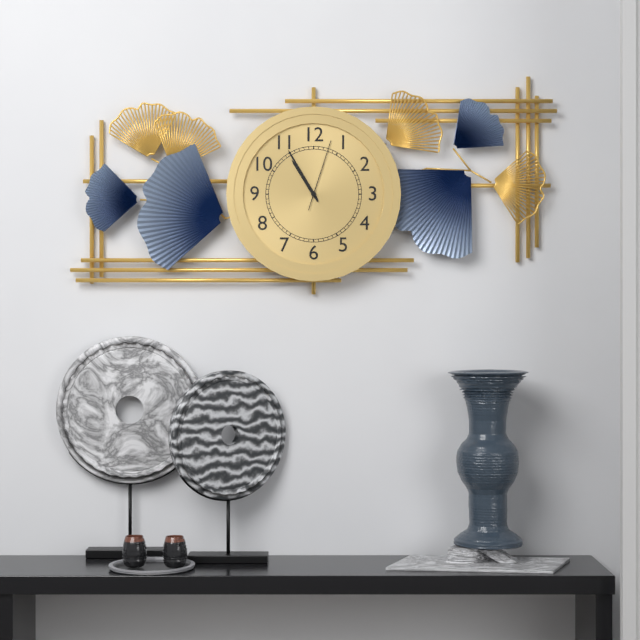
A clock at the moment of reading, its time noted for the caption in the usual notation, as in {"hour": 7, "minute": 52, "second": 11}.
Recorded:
{"hour": 10, "minute": 55, "second": 3}
